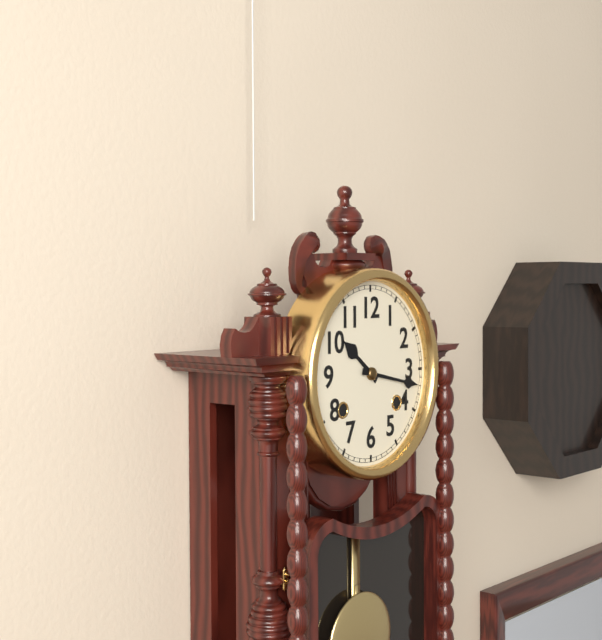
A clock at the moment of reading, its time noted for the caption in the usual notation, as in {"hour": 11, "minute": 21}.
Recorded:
{"hour": 10, "minute": 17}
